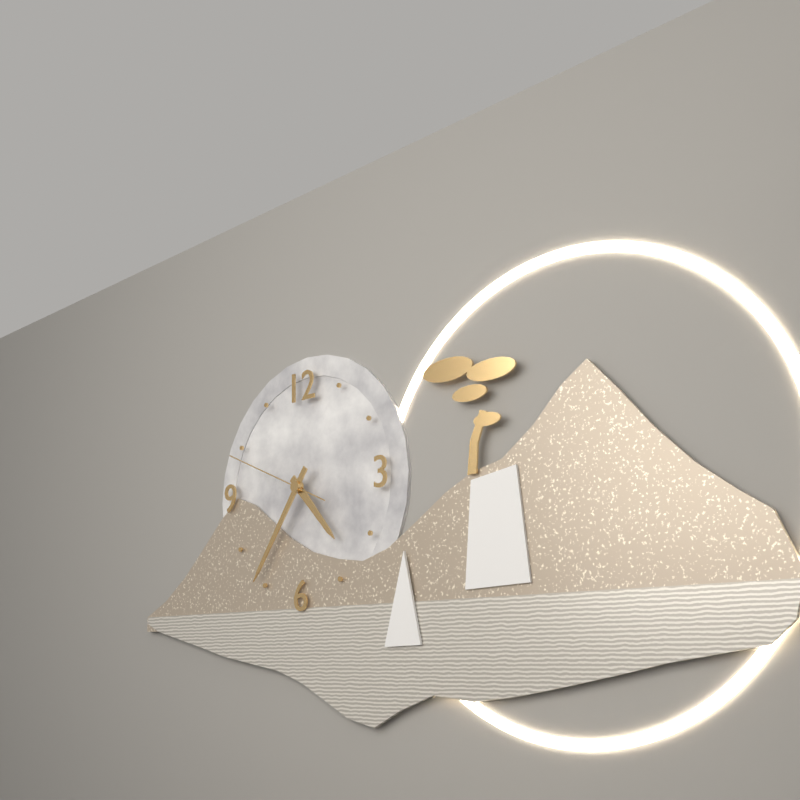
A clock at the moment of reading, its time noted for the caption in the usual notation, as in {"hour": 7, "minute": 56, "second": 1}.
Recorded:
{"hour": 4, "minute": 36, "second": 49}
